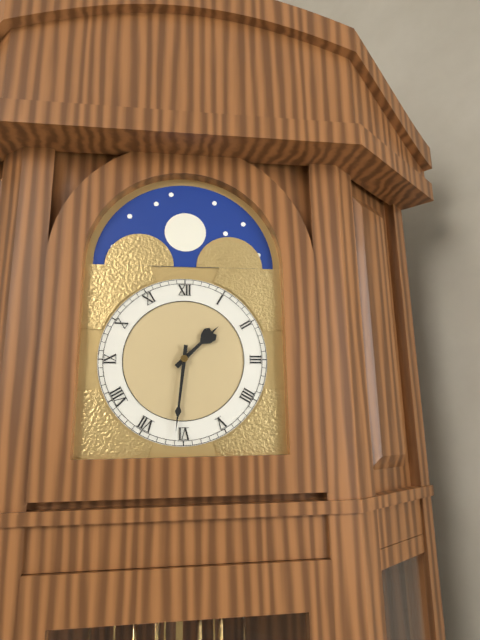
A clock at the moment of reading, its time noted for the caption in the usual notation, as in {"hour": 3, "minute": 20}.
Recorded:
{"hour": 1, "minute": 31}
